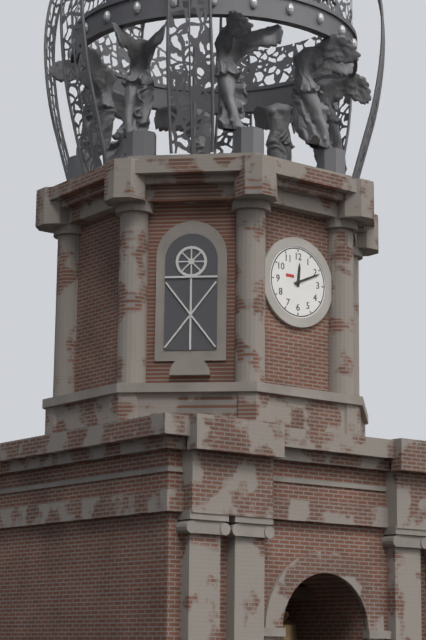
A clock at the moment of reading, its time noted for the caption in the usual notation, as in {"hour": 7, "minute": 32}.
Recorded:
{"hour": 12, "minute": 11}
